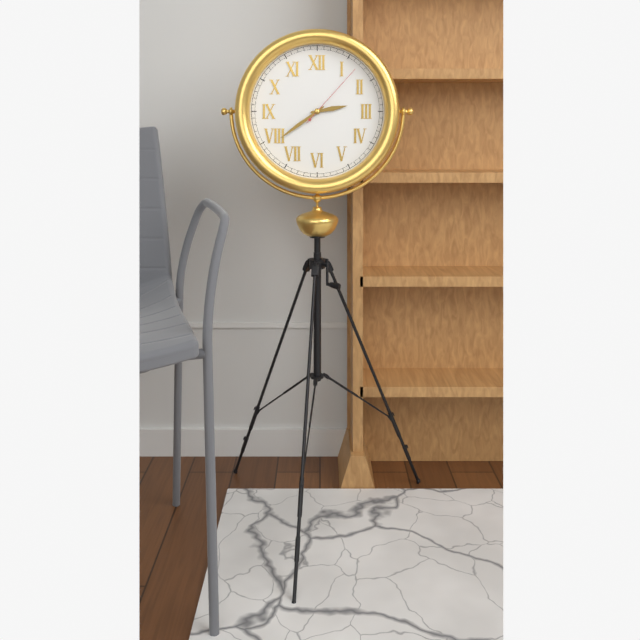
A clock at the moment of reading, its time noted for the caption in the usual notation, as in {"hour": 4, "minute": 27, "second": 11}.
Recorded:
{"hour": 2, "minute": 39, "second": 7}
